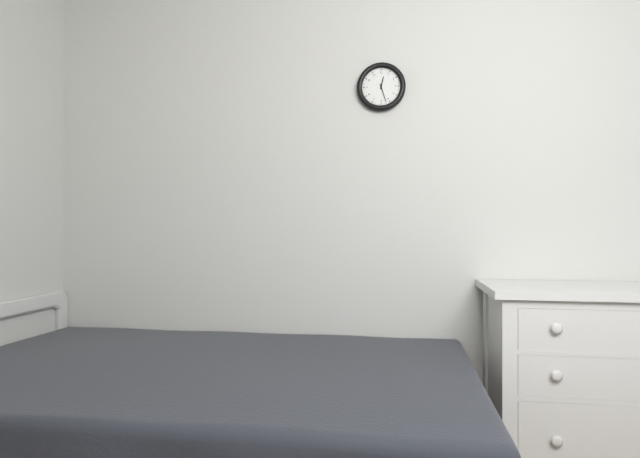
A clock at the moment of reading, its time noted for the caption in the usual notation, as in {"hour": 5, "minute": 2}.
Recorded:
{"hour": 12, "minute": 27}
